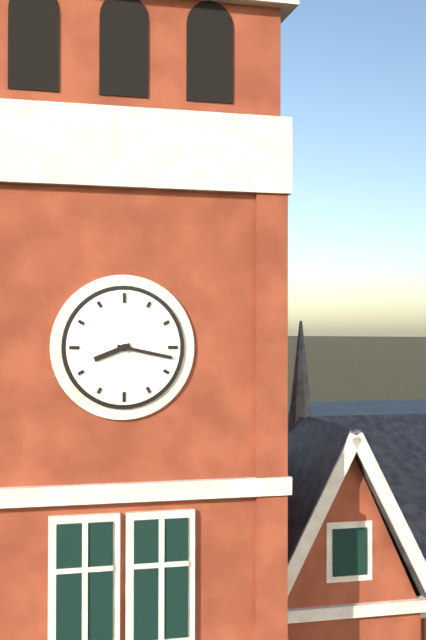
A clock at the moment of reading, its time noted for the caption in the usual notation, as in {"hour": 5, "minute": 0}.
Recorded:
{"hour": 8, "minute": 17}
